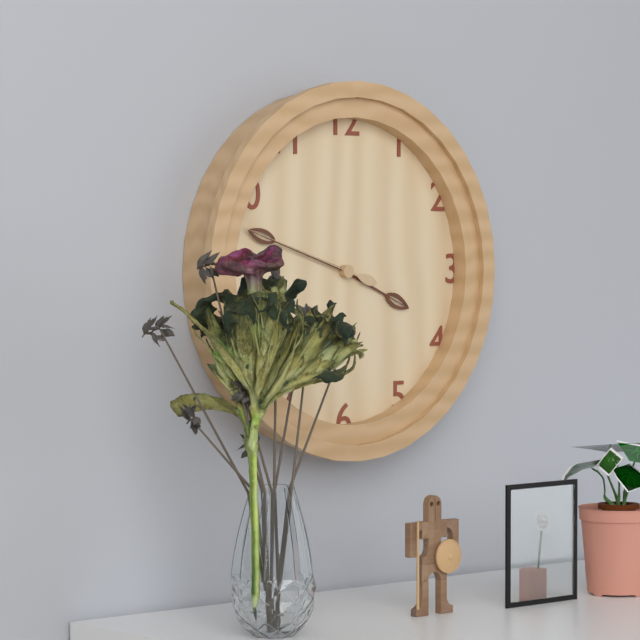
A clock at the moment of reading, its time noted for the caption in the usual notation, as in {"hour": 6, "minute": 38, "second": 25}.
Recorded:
{"hour": 3, "minute": 48, "second": 48}
